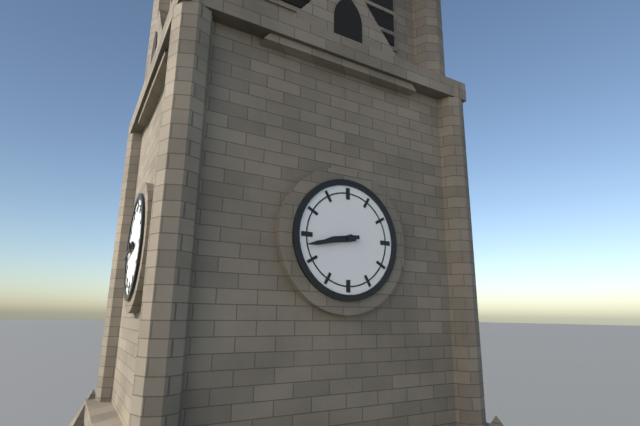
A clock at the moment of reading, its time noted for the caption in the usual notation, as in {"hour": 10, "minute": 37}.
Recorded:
{"hour": 8, "minute": 43}
